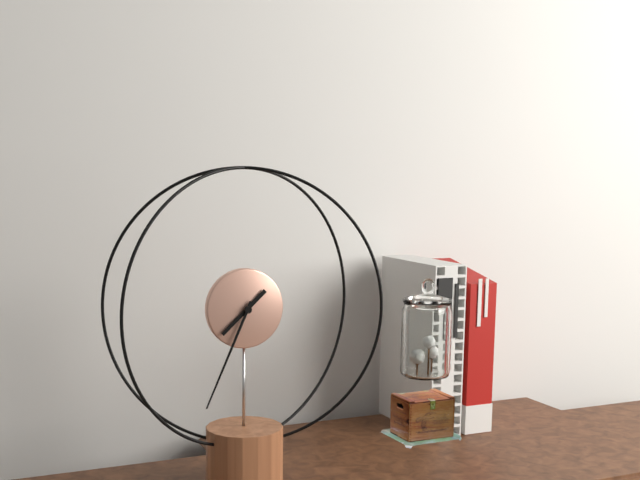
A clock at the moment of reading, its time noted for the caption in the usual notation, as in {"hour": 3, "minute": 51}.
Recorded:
{"hour": 7, "minute": 34}
